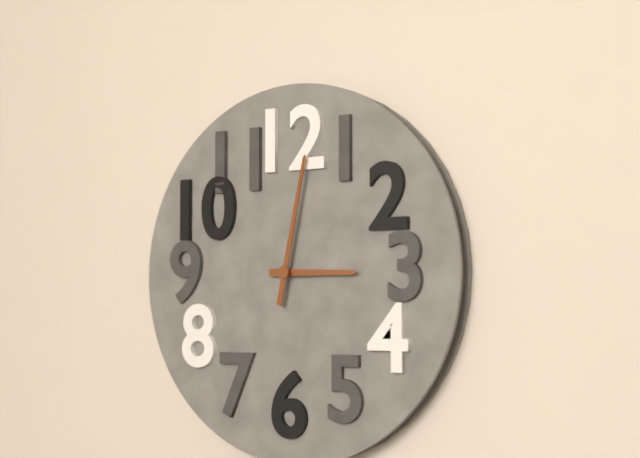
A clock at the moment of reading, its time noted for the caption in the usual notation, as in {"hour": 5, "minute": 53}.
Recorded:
{"hour": 3, "minute": 2}
